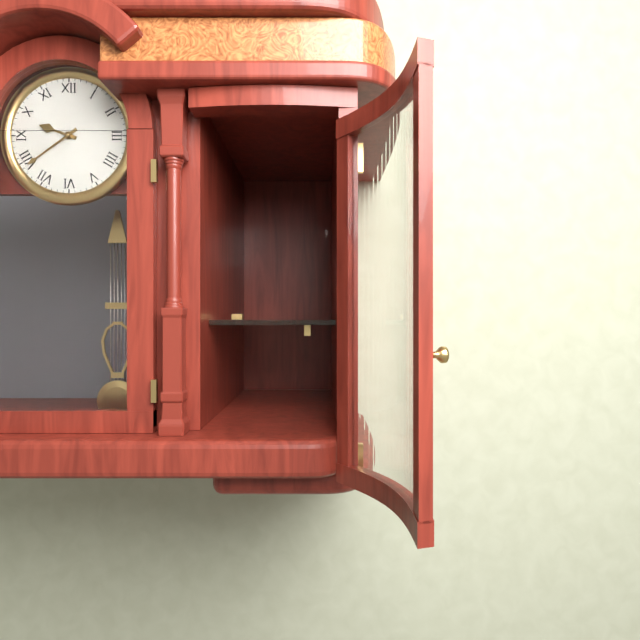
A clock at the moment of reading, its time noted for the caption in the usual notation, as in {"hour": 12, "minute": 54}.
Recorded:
{"hour": 9, "minute": 39}
